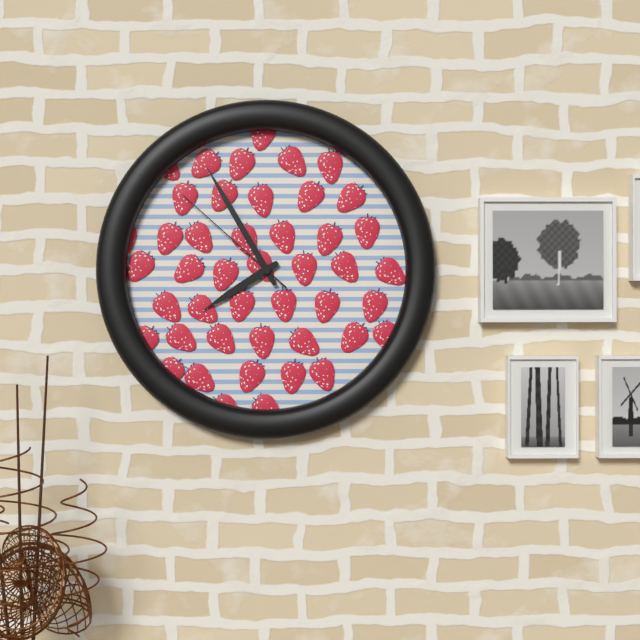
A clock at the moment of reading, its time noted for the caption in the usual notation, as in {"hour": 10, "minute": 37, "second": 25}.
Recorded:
{"hour": 7, "minute": 55, "second": 52}
